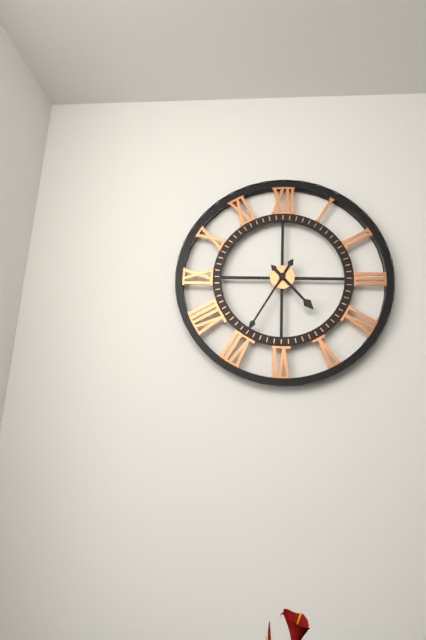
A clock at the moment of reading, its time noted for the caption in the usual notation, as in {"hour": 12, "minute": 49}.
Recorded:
{"hour": 4, "minute": 35}
